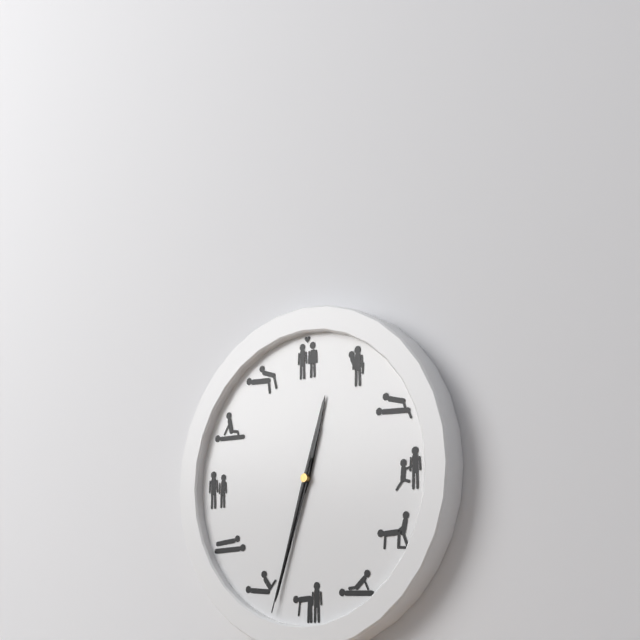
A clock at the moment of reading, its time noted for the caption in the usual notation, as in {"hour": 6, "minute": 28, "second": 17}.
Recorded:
{"hour": 12, "minute": 33, "second": 33}
